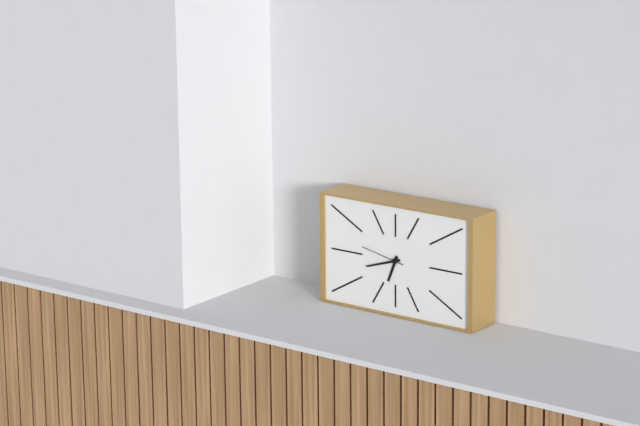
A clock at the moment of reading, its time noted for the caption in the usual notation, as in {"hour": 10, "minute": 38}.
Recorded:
{"hour": 6, "minute": 42}
